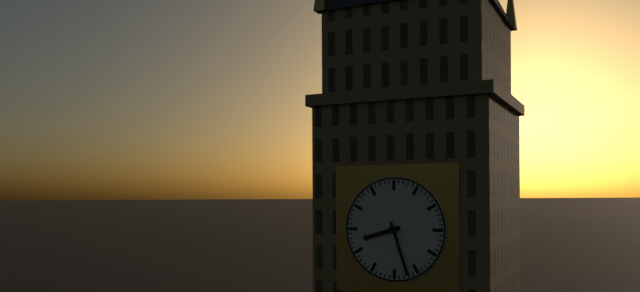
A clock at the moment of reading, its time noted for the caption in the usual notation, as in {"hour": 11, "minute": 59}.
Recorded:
{"hour": 8, "minute": 27}
